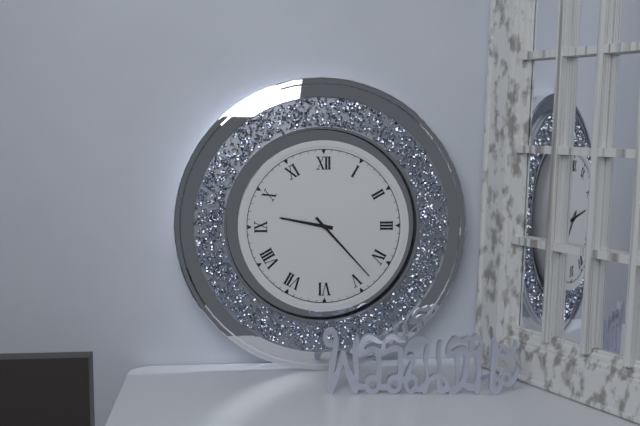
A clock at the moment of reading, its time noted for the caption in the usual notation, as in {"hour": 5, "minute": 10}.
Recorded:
{"hour": 9, "minute": 23}
